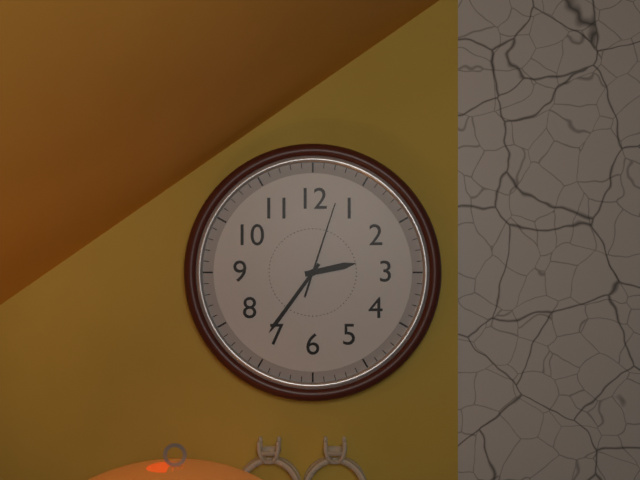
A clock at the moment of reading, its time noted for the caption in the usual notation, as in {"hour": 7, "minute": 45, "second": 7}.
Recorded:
{"hour": 2, "minute": 36, "second": 3}
